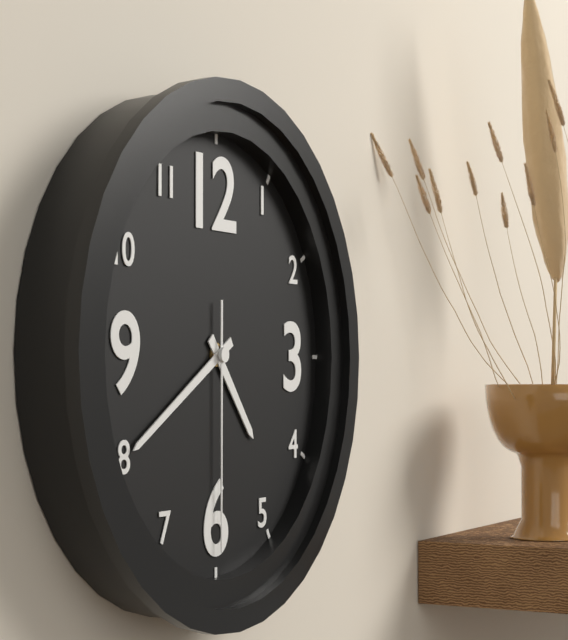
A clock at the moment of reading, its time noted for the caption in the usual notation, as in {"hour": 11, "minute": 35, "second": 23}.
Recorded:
{"hour": 4, "minute": 40, "second": 30}
